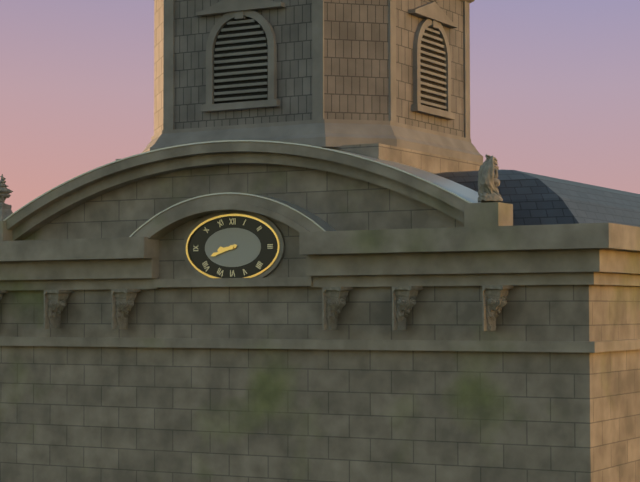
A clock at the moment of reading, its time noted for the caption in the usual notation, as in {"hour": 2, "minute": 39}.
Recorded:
{"hour": 8, "minute": 42}
